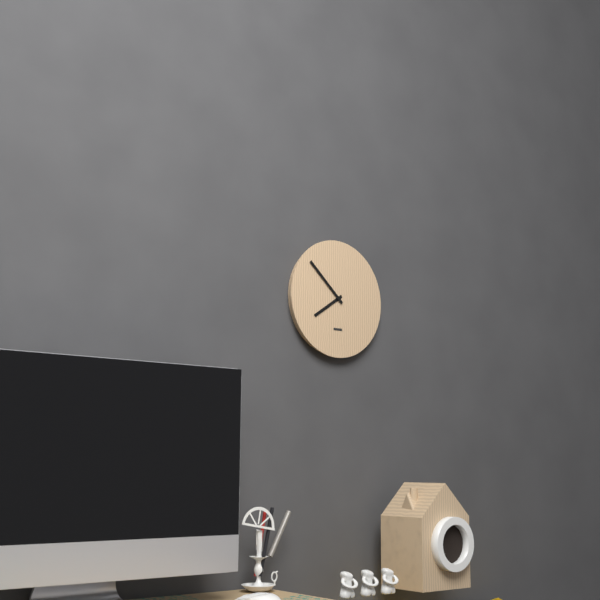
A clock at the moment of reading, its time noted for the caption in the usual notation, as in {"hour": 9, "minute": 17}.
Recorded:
{"hour": 7, "minute": 52}
